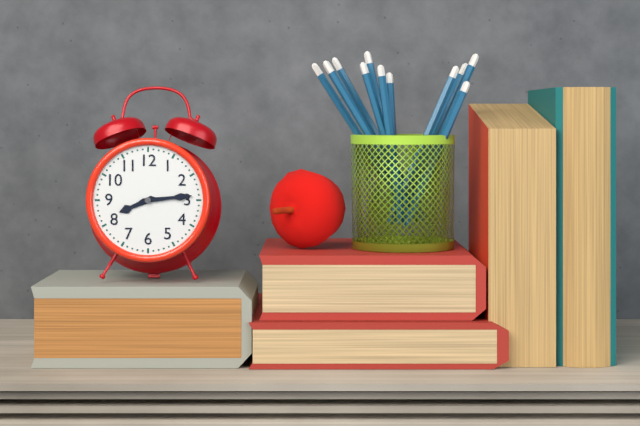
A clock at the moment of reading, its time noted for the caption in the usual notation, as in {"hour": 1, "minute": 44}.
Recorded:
{"hour": 8, "minute": 14}
